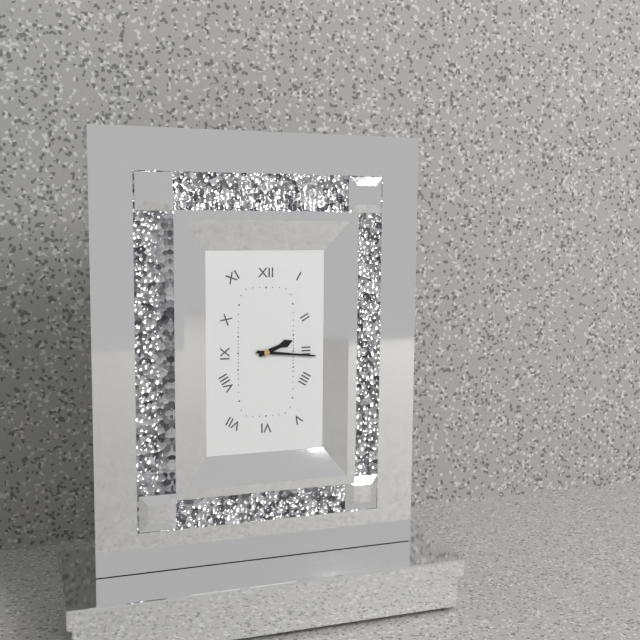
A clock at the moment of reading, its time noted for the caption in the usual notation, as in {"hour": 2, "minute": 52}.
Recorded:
{"hour": 2, "minute": 16}
